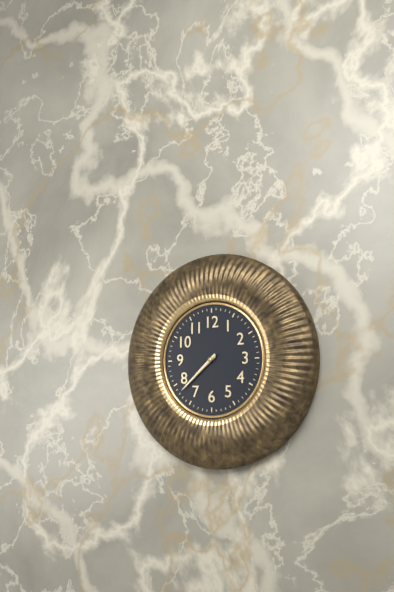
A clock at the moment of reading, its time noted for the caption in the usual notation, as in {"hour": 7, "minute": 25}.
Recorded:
{"hour": 7, "minute": 38}
